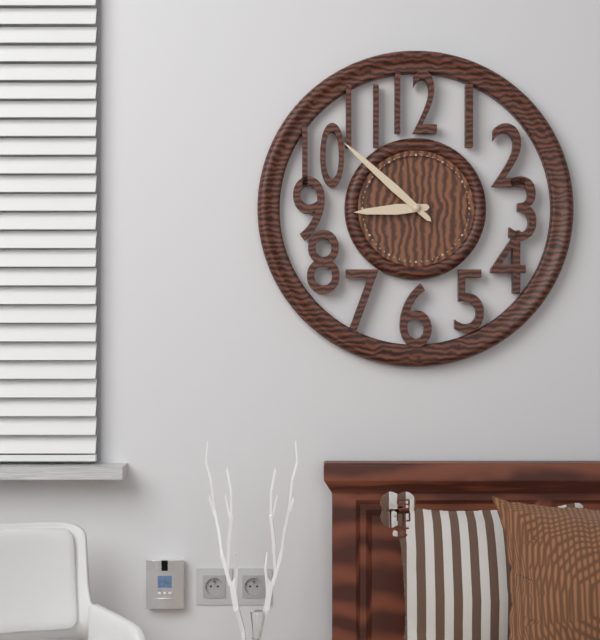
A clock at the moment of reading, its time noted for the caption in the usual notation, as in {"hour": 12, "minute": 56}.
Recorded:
{"hour": 8, "minute": 52}
